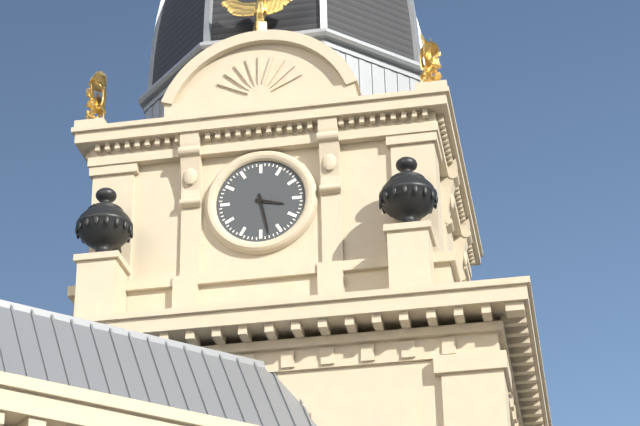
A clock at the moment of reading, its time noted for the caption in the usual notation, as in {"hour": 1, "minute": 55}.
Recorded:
{"hour": 3, "minute": 28}
